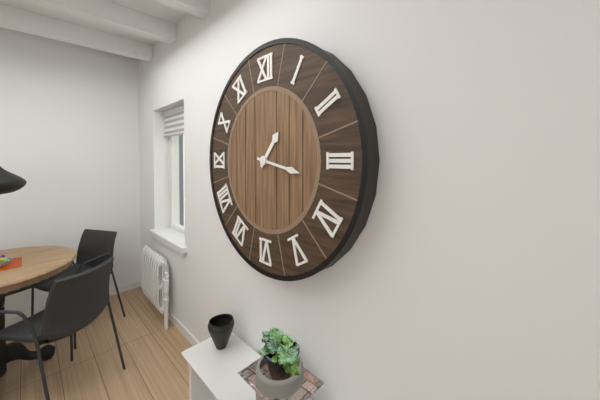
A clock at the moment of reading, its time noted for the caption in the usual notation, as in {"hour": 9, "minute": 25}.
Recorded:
{"hour": 1, "minute": 17}
